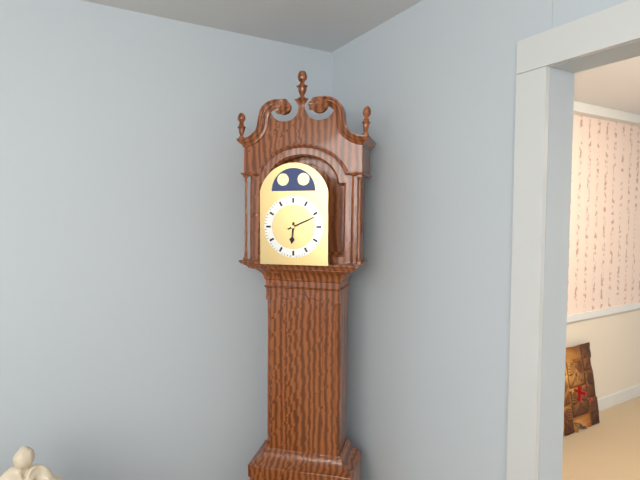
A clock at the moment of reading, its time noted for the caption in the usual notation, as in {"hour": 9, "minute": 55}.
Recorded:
{"hour": 6, "minute": 11}
